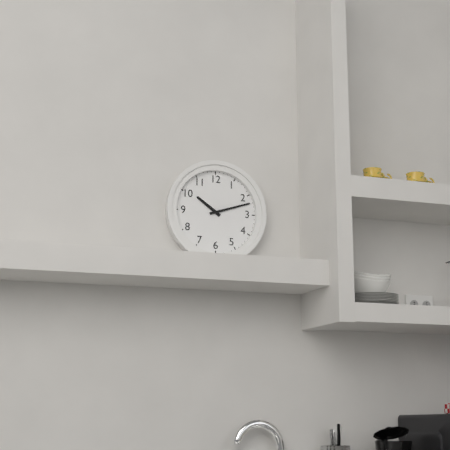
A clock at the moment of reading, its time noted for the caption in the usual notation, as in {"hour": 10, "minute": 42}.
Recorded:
{"hour": 10, "minute": 12}
